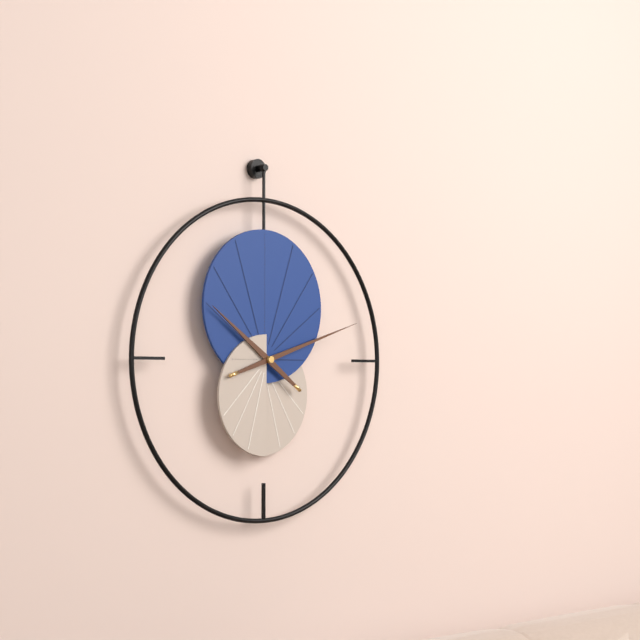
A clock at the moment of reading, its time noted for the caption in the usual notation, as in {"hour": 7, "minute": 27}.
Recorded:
{"hour": 10, "minute": 12}
